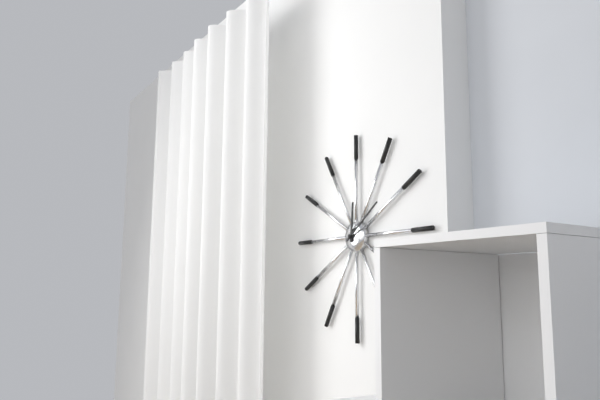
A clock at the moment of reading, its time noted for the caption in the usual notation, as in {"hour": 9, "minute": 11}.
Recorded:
{"hour": 12, "minute": 9}
